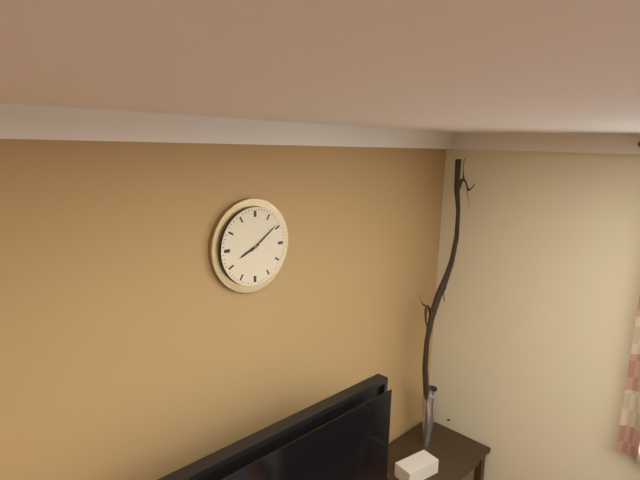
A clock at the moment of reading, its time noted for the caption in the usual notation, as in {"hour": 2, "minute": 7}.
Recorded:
{"hour": 8, "minute": 9}
